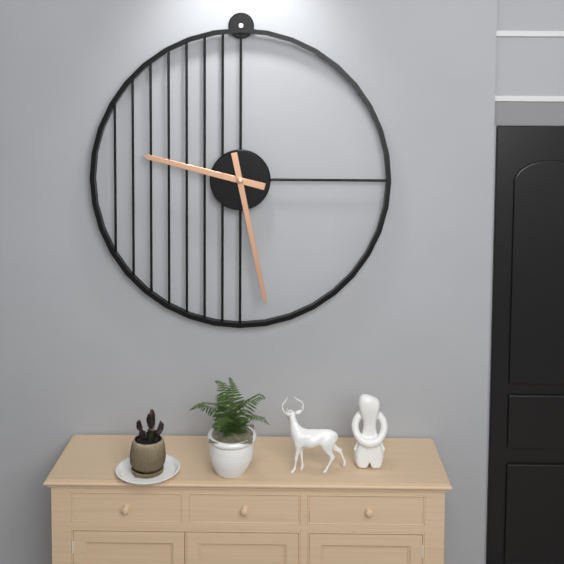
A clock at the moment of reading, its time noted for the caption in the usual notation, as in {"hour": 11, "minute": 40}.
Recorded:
{"hour": 9, "minute": 28}
